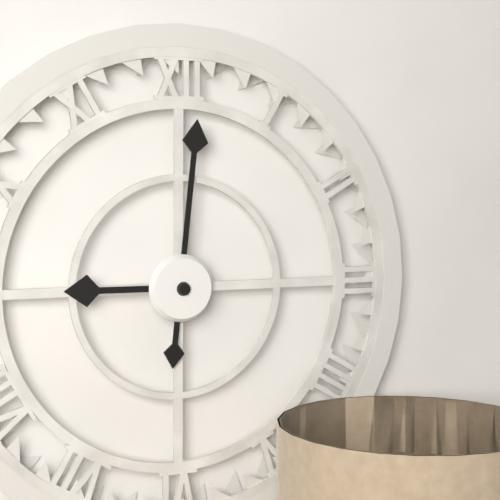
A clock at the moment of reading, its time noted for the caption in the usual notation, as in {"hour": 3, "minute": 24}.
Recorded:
{"hour": 9, "minute": 1}
